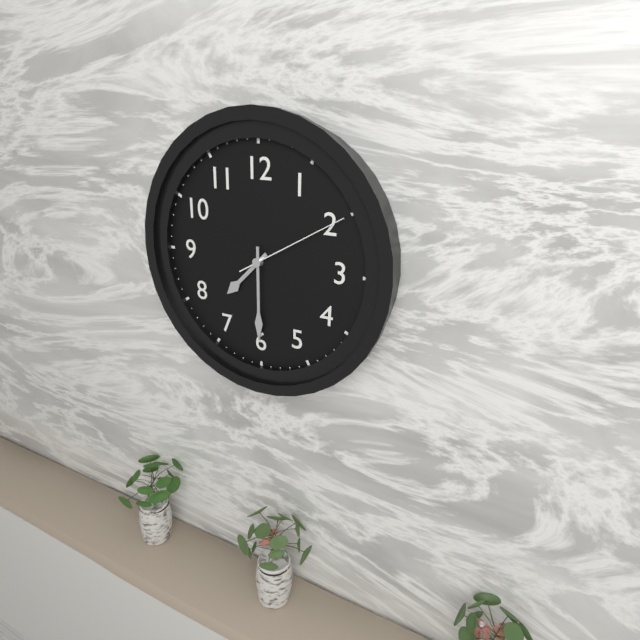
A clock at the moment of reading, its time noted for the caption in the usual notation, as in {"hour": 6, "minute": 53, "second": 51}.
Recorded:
{"hour": 7, "minute": 30, "second": 10}
